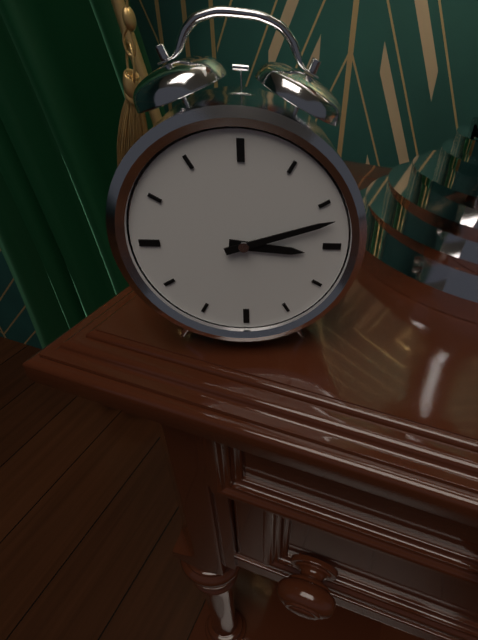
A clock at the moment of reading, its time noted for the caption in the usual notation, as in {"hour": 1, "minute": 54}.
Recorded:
{"hour": 3, "minute": 12}
